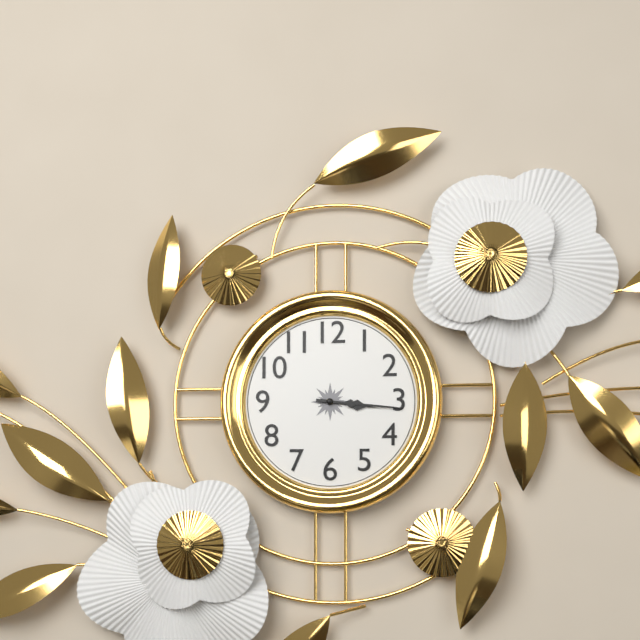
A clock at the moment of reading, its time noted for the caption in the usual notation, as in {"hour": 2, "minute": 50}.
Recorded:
{"hour": 3, "minute": 16}
